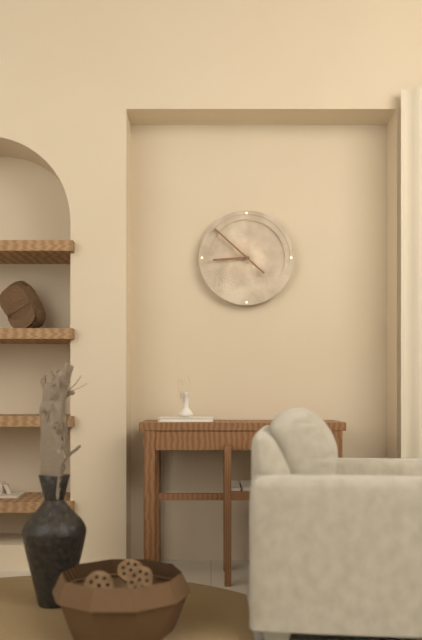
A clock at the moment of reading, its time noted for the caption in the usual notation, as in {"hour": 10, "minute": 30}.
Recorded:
{"hour": 8, "minute": 52}
